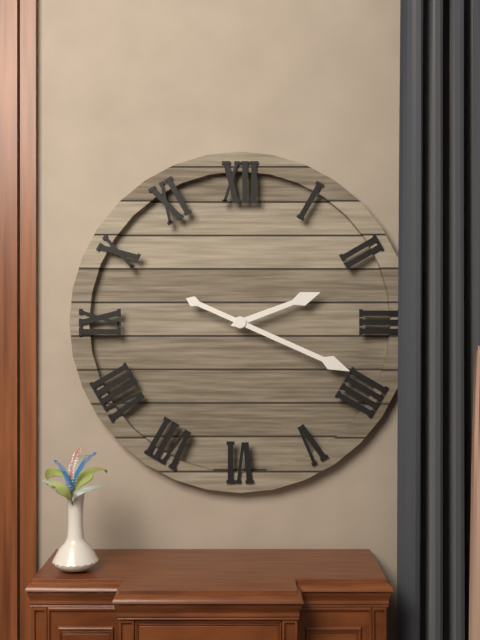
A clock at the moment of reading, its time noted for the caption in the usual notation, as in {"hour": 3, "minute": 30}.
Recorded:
{"hour": 2, "minute": 19}
